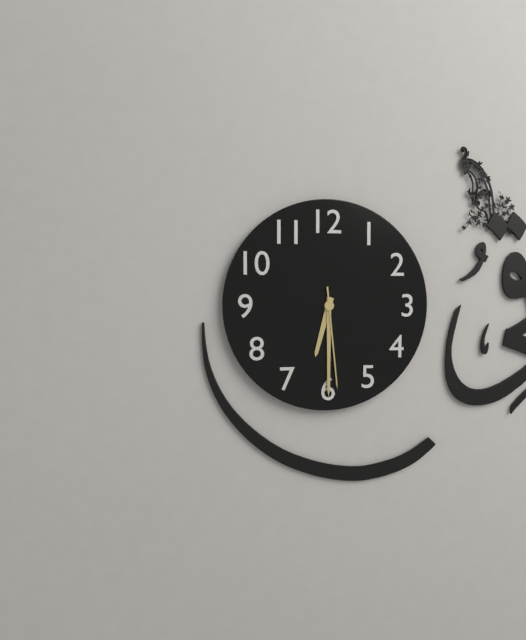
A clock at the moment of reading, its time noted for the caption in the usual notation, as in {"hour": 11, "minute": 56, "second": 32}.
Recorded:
{"hour": 6, "minute": 30, "second": 29}
